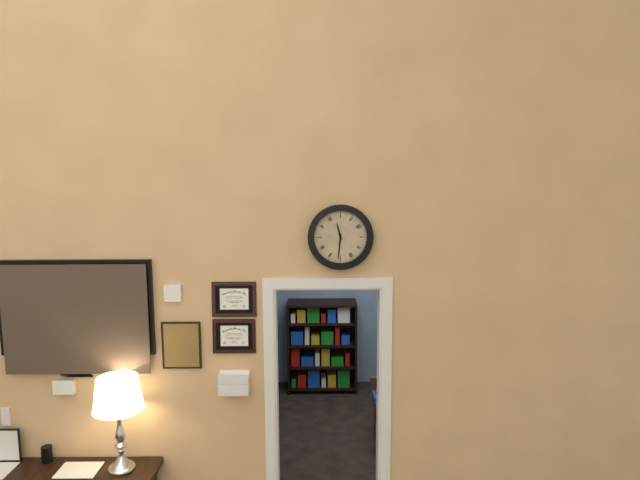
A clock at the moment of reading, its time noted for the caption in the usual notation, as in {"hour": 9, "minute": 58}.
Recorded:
{"hour": 11, "minute": 31}
